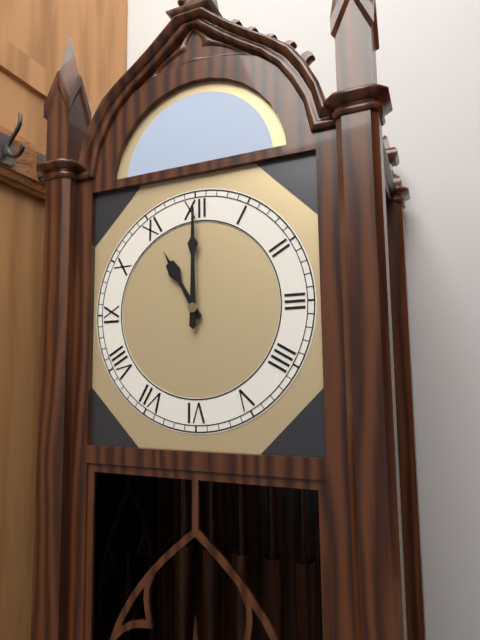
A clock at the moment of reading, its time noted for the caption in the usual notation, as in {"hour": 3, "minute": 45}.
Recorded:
{"hour": 11, "minute": 0}
